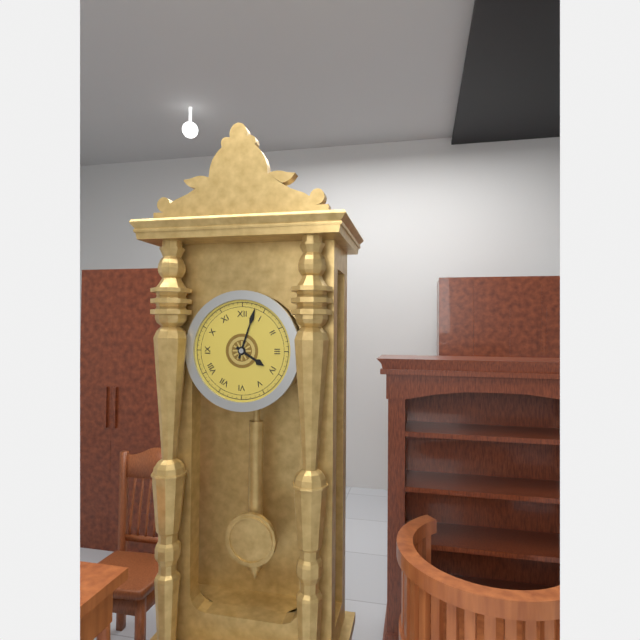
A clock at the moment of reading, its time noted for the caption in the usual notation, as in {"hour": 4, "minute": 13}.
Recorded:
{"hour": 4, "minute": 3}
